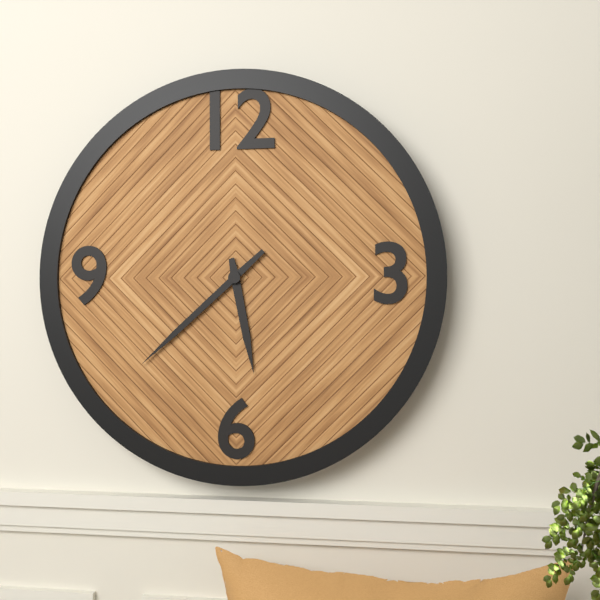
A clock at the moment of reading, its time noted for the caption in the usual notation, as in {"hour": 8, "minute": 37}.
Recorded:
{"hour": 5, "minute": 38}
